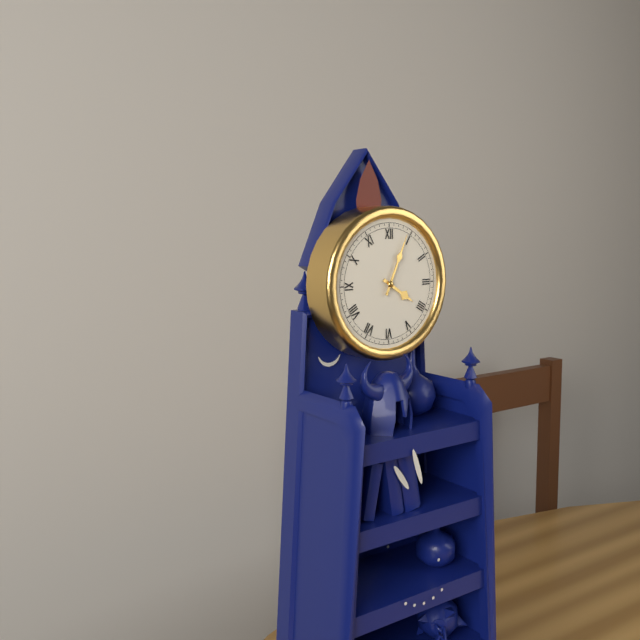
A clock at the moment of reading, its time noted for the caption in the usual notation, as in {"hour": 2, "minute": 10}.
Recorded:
{"hour": 4, "minute": 4}
